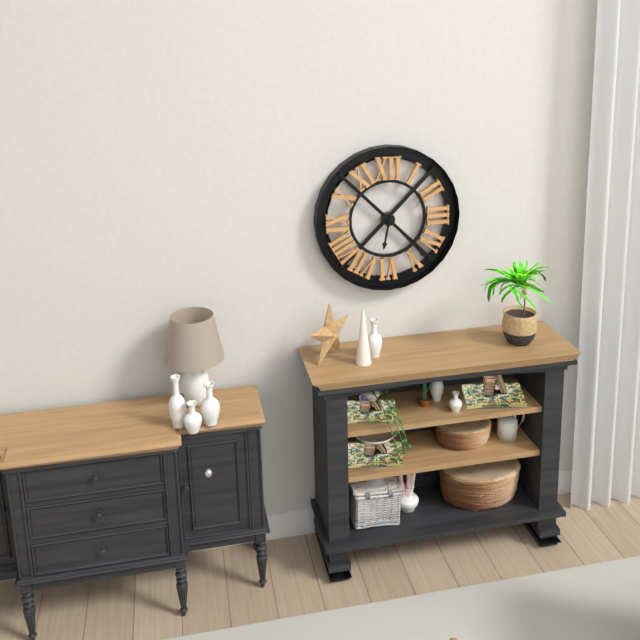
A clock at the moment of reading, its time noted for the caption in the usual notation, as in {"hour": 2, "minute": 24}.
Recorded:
{"hour": 6, "minute": 23}
